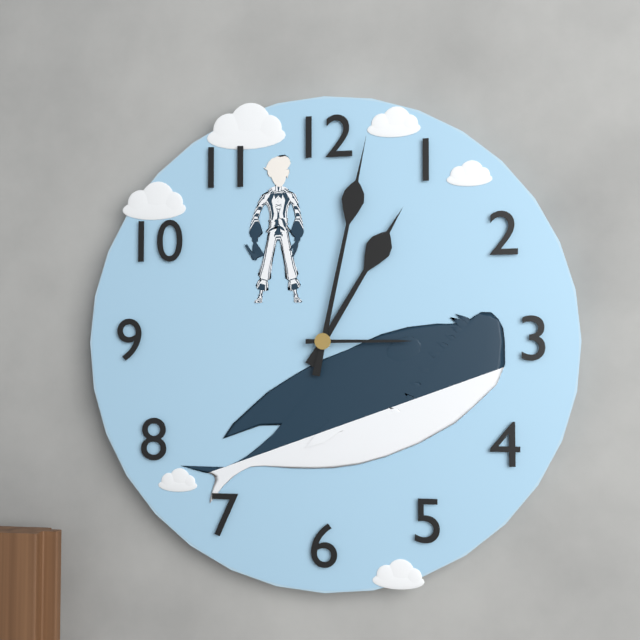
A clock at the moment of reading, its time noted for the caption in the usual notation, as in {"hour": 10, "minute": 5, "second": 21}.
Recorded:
{"hour": 1, "minute": 2, "second": 15}
